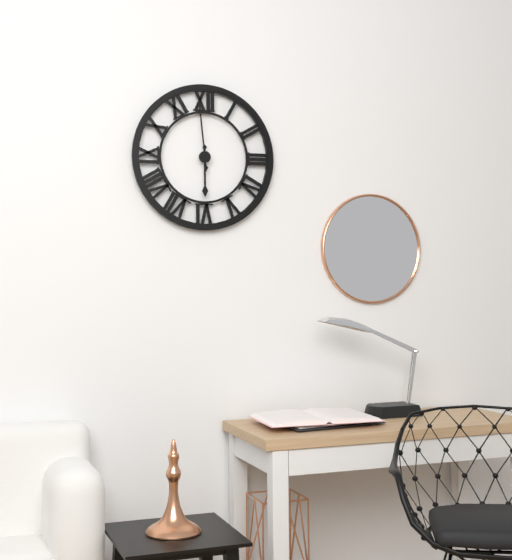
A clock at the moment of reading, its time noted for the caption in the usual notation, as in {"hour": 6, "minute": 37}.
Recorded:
{"hour": 5, "minute": 59}
